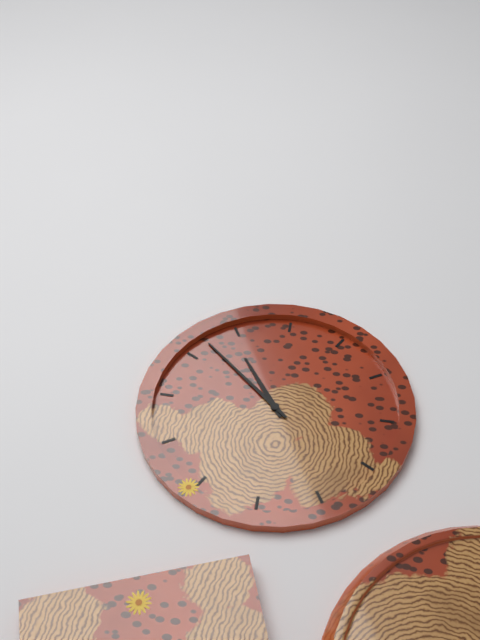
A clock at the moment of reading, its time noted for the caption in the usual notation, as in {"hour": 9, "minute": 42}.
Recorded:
{"hour": 10, "minute": 52}
